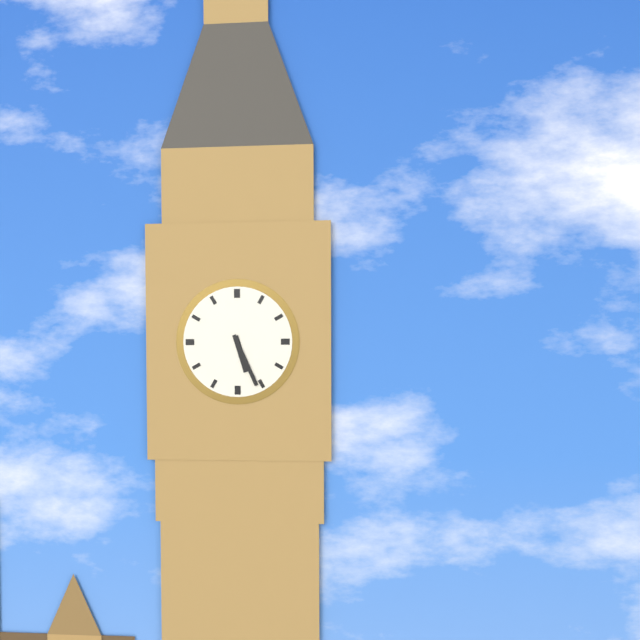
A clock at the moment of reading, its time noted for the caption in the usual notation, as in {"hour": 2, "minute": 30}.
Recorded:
{"hour": 5, "minute": 26}
